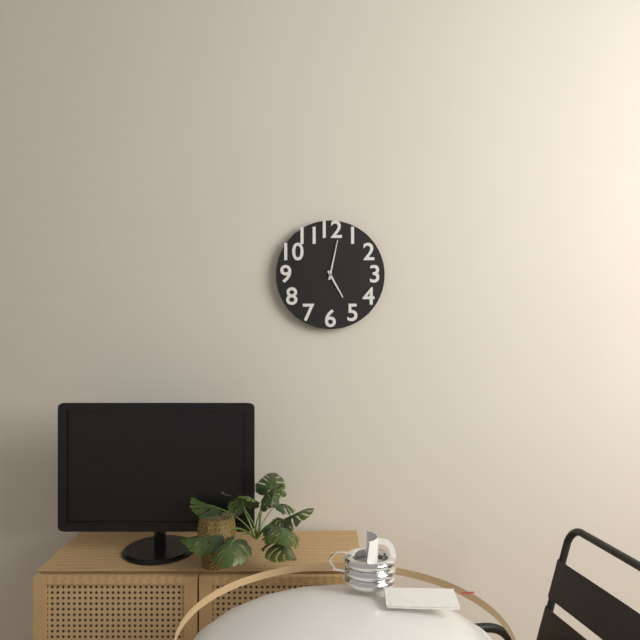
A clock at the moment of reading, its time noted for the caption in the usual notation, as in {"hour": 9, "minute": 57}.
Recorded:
{"hour": 5, "minute": 2}
